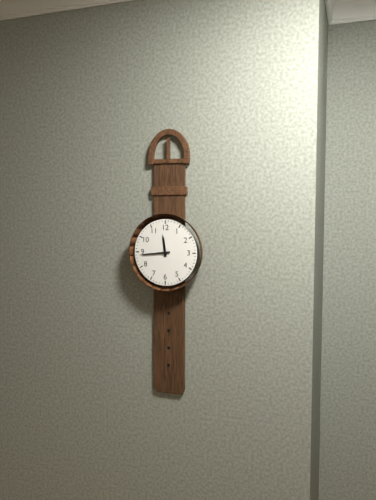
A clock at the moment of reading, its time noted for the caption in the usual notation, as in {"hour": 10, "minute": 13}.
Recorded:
{"hour": 11, "minute": 44}
